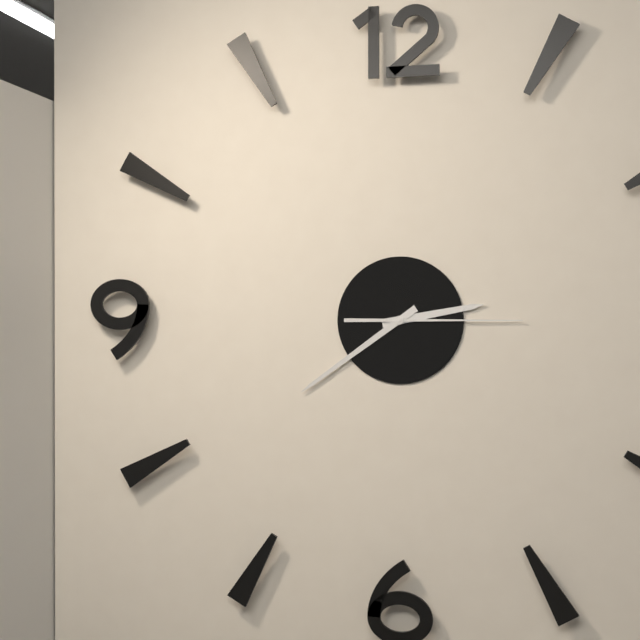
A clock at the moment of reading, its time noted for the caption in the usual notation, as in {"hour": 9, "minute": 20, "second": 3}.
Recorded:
{"hour": 2, "minute": 39, "second": 15}
